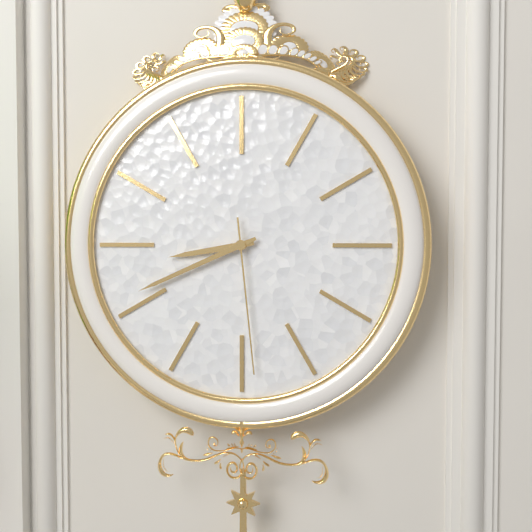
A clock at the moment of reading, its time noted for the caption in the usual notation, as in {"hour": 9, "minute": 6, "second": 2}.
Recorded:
{"hour": 8, "minute": 41, "second": 29}
